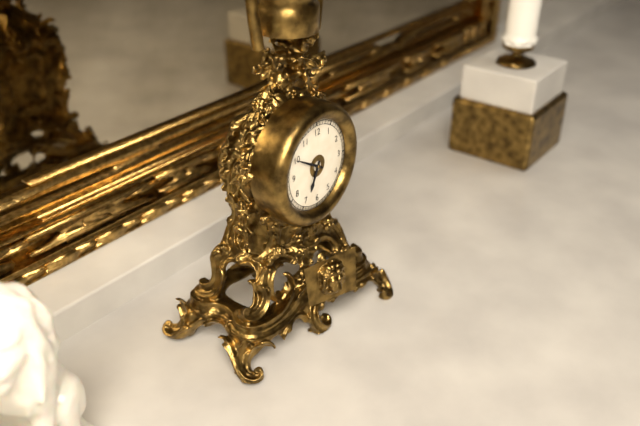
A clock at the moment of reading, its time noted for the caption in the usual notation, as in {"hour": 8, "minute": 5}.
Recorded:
{"hour": 6, "minute": 50}
